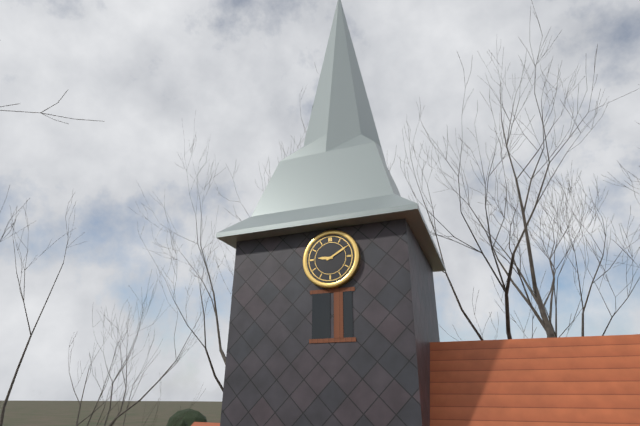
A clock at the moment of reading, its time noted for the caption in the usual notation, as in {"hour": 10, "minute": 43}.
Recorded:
{"hour": 9, "minute": 10}
